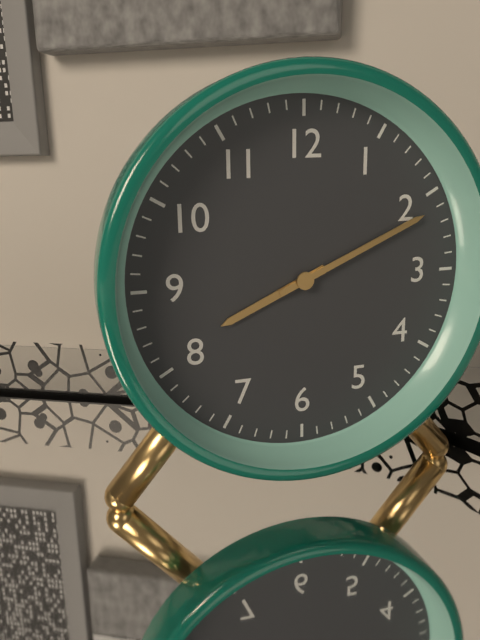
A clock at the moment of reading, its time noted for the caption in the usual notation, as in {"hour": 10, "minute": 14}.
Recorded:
{"hour": 8, "minute": 11}
